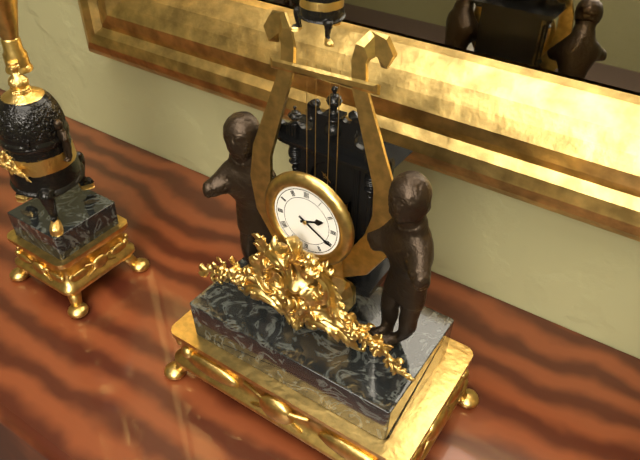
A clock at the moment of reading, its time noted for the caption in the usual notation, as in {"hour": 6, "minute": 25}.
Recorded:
{"hour": 2, "minute": 20}
